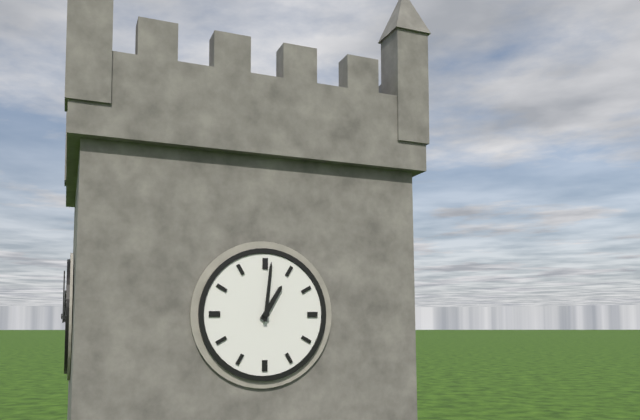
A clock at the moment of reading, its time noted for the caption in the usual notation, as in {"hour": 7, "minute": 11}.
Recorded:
{"hour": 1, "minute": 1}
